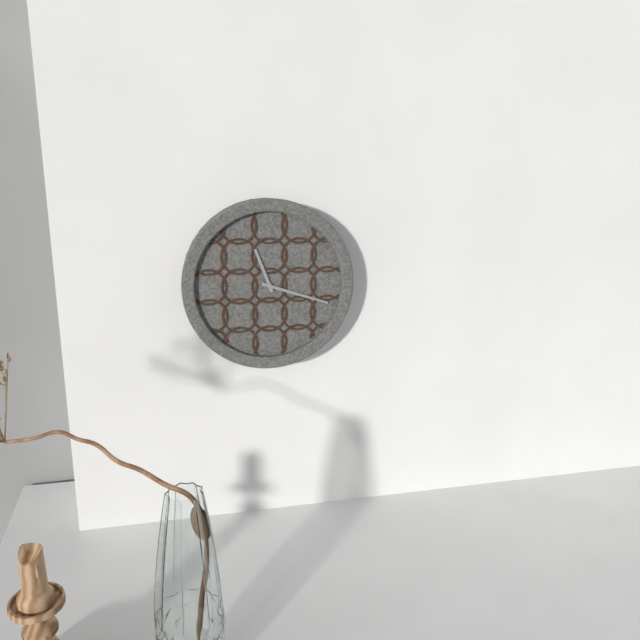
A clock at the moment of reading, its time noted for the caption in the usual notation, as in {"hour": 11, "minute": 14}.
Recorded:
{"hour": 11, "minute": 18}
